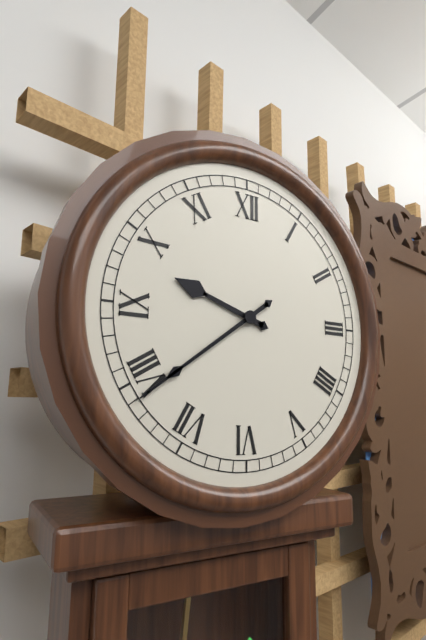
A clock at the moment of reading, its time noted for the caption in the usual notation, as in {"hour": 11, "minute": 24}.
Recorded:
{"hour": 9, "minute": 39}
